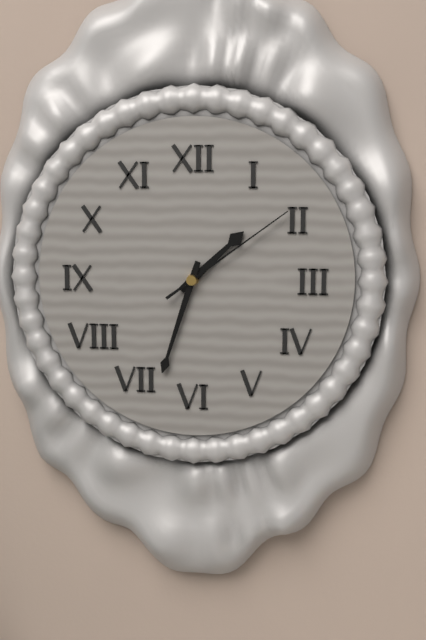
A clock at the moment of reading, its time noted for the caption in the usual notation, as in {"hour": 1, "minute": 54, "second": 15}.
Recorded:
{"hour": 1, "minute": 33, "second": 9}
